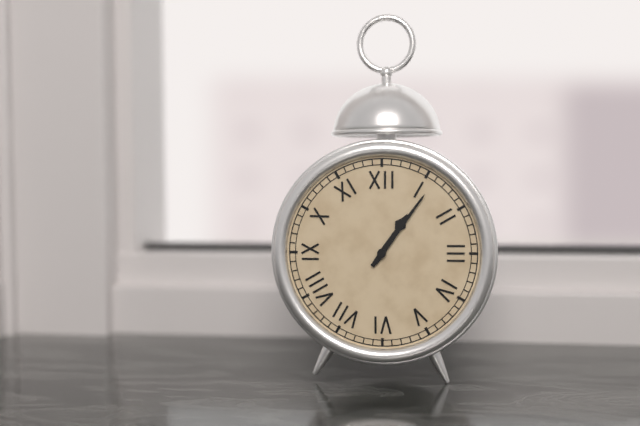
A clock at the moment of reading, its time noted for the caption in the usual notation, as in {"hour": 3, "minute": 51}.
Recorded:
{"hour": 1, "minute": 6}
